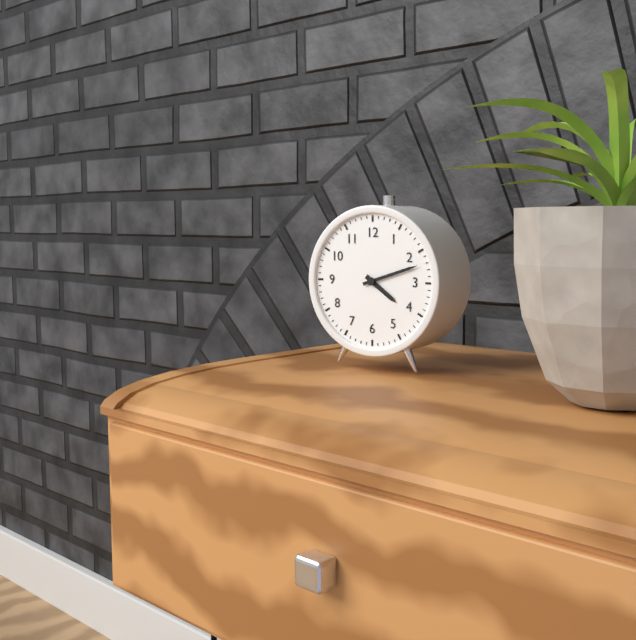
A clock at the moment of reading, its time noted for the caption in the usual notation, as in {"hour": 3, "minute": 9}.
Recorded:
{"hour": 4, "minute": 12}
